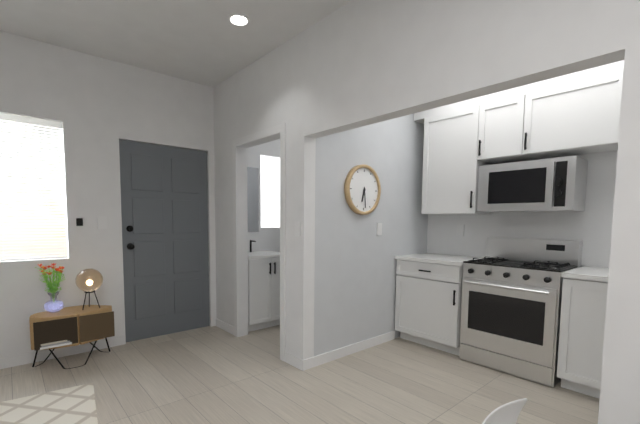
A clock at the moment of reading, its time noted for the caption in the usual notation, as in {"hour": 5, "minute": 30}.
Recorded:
{"hour": 6, "minute": 29}
